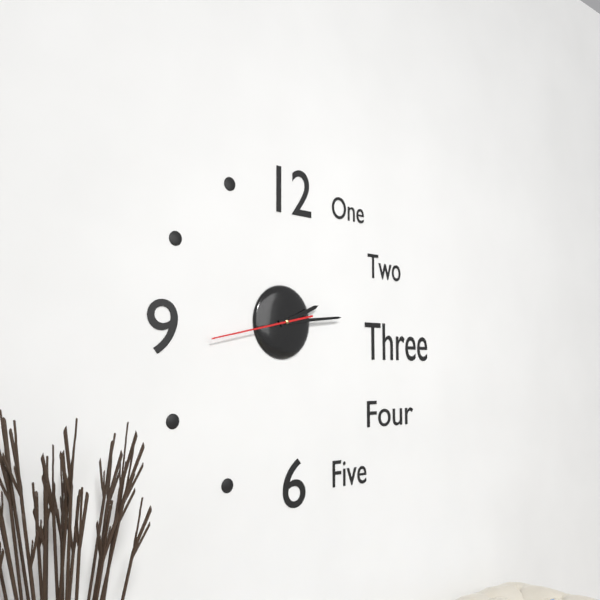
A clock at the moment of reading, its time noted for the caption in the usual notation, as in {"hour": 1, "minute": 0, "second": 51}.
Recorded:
{"hour": 2, "minute": 14, "second": 43}
